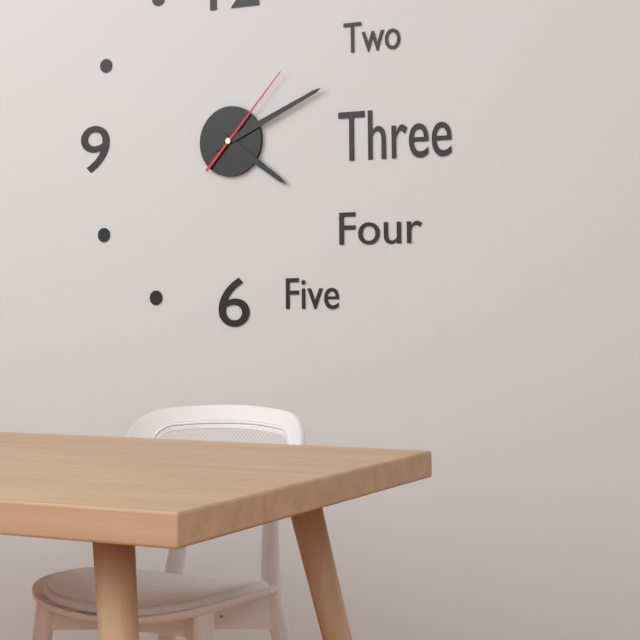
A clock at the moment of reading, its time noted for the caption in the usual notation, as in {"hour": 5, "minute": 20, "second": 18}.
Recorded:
{"hour": 4, "minute": 11, "second": 7}
